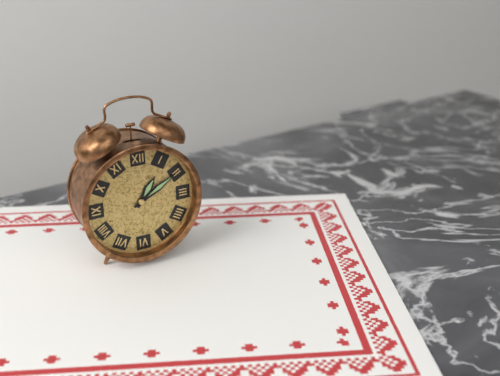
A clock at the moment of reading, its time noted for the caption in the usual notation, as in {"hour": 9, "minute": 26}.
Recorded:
{"hour": 1, "minute": 10}
